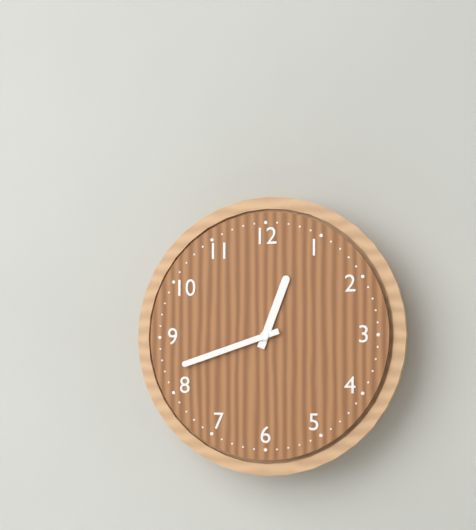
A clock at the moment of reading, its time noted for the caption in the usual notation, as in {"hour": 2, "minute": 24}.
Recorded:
{"hour": 12, "minute": 42}
